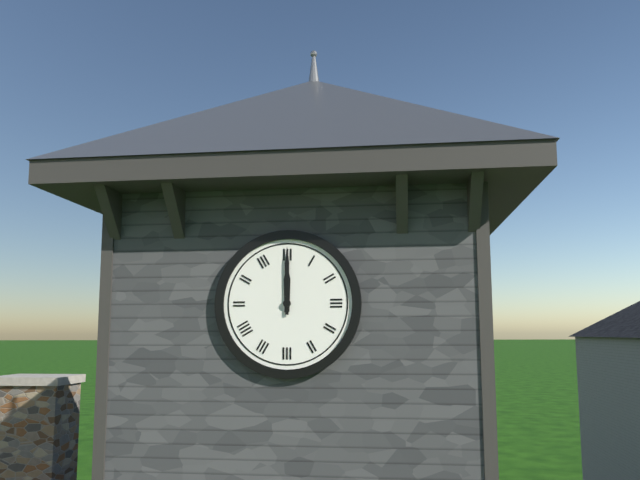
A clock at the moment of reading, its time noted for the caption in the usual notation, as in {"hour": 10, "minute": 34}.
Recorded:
{"hour": 12, "minute": 0}
